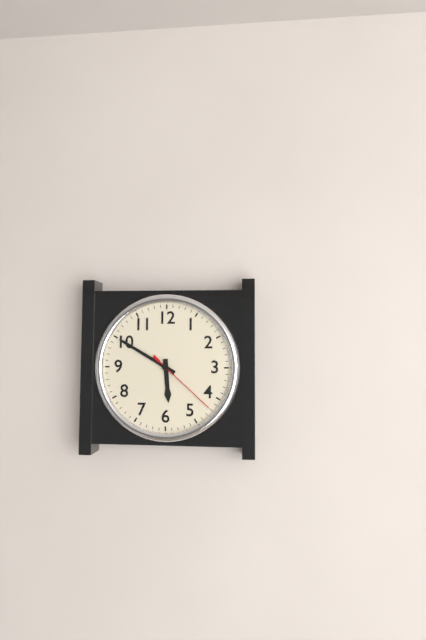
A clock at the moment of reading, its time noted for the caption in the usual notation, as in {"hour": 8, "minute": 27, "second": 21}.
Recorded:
{"hour": 5, "minute": 50, "second": 22}
